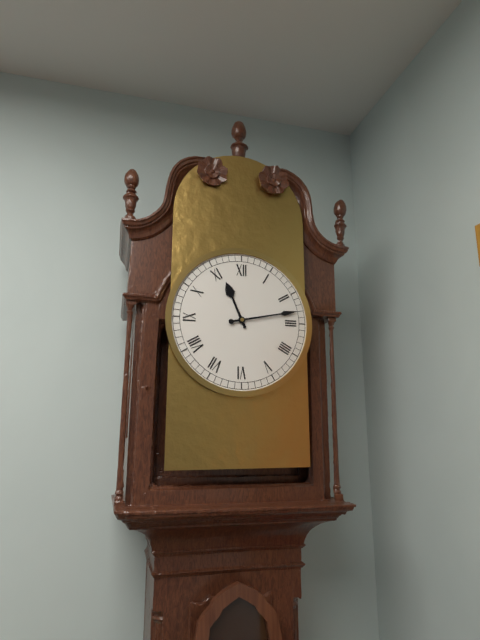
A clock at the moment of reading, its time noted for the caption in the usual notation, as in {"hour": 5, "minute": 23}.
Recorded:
{"hour": 11, "minute": 13}
